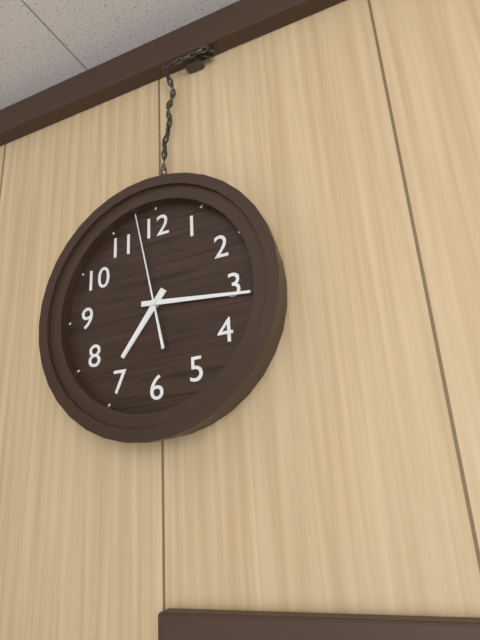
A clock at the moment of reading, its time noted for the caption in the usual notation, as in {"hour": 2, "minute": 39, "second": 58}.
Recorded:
{"hour": 7, "minute": 16, "second": 58}
